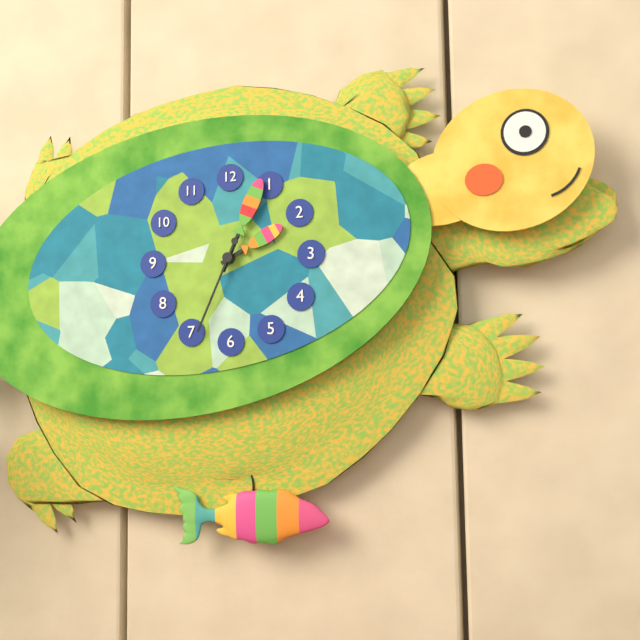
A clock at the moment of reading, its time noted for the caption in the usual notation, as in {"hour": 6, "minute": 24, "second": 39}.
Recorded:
{"hour": 2, "minute": 4, "second": 34}
